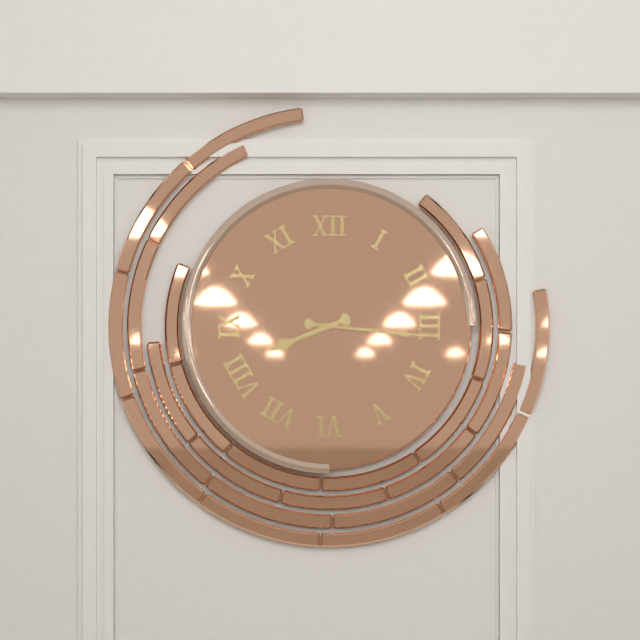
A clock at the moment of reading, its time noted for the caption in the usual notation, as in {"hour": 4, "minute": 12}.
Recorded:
{"hour": 8, "minute": 16}
